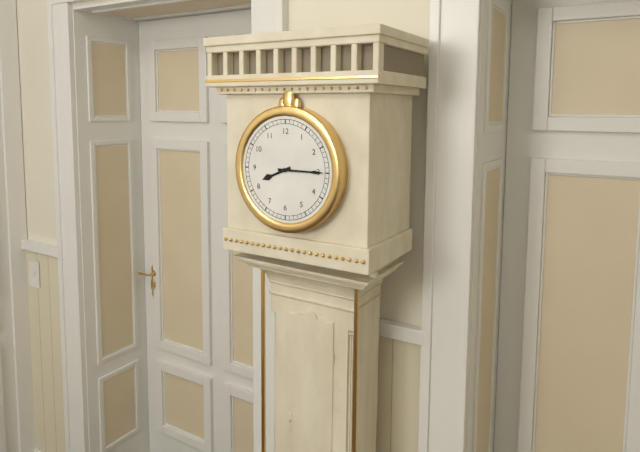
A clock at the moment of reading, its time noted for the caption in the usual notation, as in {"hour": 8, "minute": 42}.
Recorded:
{"hour": 8, "minute": 15}
